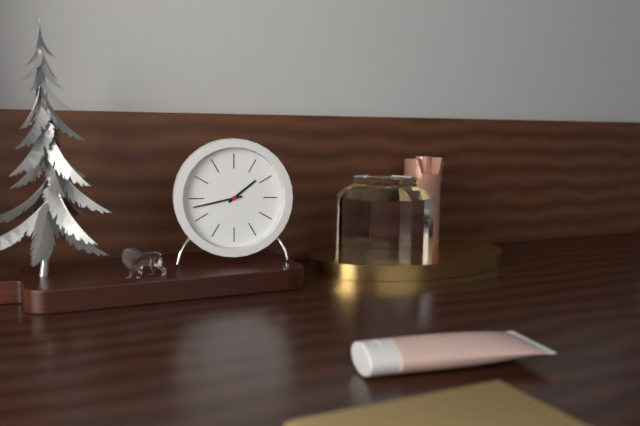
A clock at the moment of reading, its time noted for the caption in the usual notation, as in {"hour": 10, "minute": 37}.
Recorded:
{"hour": 1, "minute": 43}
